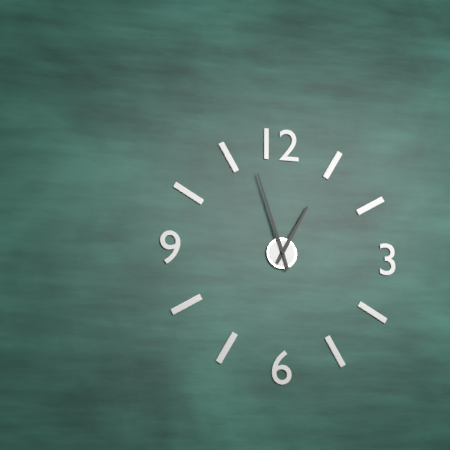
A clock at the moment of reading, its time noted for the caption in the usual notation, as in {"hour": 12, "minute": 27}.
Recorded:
{"hour": 12, "minute": 57}
